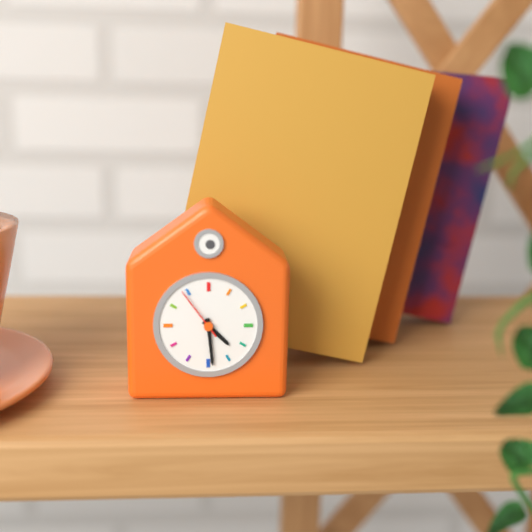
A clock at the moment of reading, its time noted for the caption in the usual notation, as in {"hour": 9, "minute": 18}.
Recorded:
{"hour": 4, "minute": 29}
